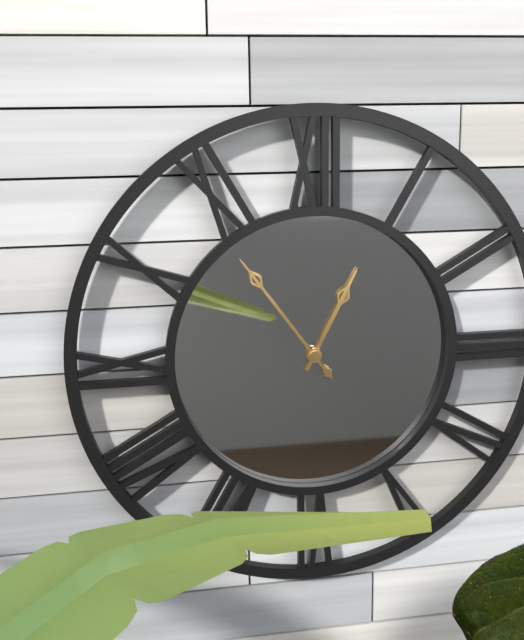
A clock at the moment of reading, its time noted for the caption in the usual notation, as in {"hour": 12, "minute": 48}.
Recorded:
{"hour": 12, "minute": 54}
